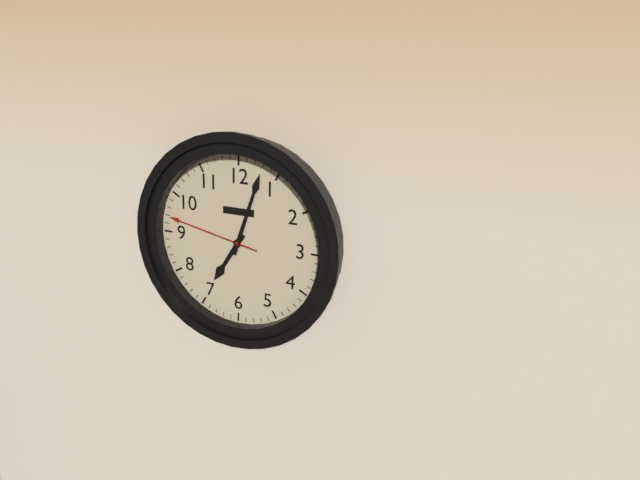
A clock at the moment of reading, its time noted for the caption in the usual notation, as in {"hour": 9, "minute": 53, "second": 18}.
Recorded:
{"hour": 7, "minute": 3, "second": 47}
